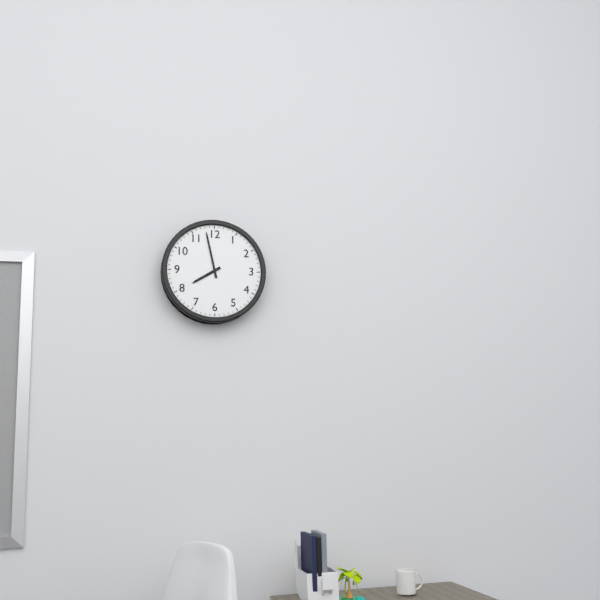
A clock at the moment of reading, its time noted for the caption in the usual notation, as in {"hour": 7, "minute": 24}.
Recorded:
{"hour": 7, "minute": 58}
